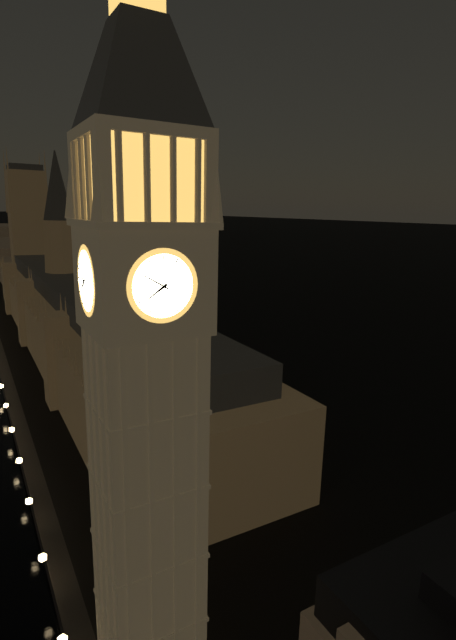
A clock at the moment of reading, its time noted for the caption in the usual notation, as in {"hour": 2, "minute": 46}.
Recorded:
{"hour": 7, "minute": 50}
